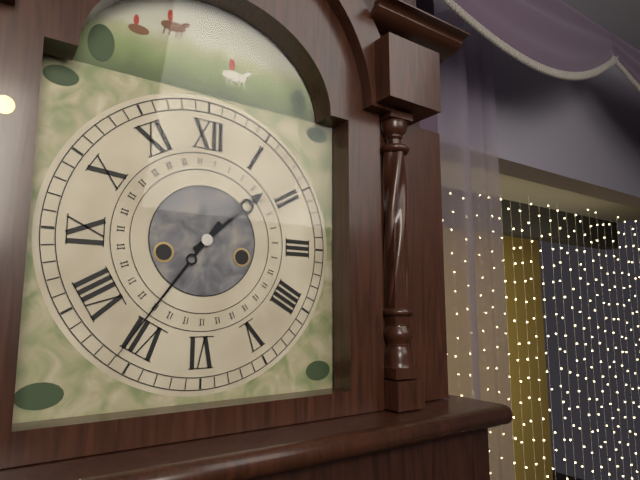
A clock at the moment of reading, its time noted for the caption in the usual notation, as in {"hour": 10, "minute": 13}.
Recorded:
{"hour": 1, "minute": 36}
